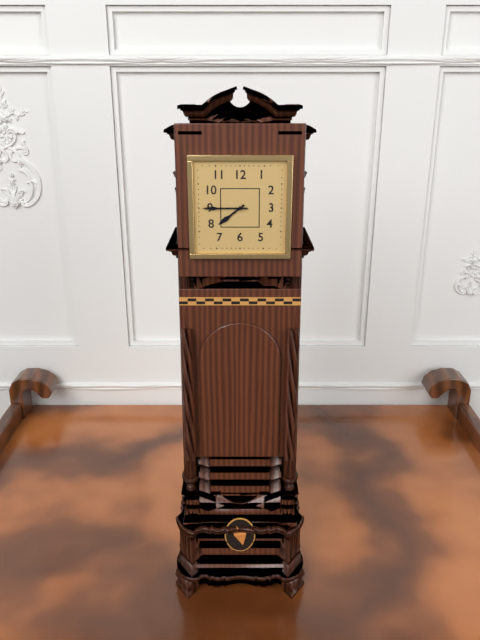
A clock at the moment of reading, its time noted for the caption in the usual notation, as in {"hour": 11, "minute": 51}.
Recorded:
{"hour": 7, "minute": 45}
